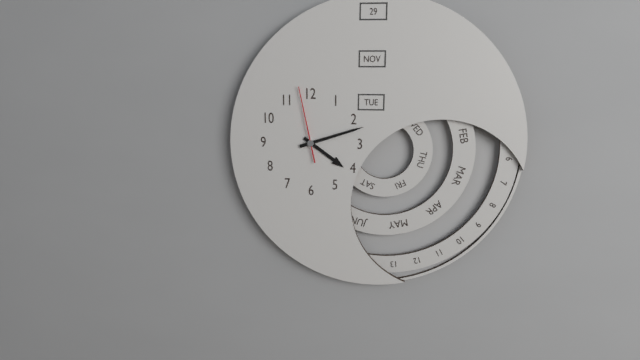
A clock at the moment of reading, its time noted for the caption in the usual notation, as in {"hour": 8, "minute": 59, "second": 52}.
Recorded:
{"hour": 4, "minute": 12, "second": 58}
